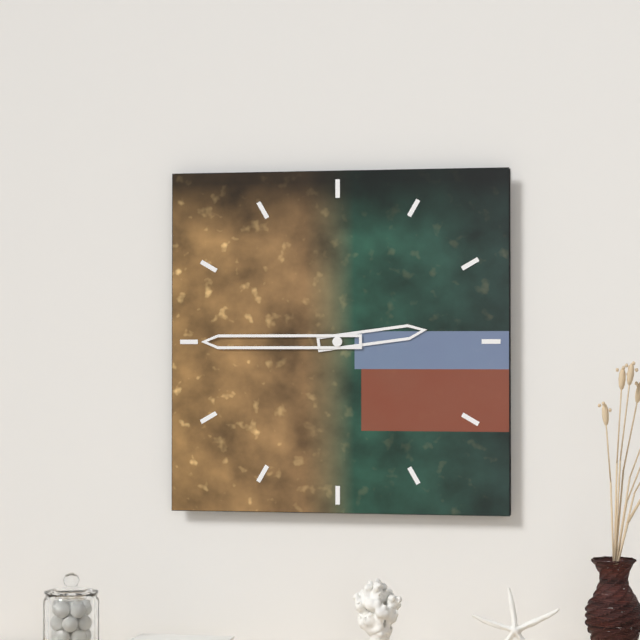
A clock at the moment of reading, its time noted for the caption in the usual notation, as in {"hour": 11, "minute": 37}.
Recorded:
{"hour": 2, "minute": 45}
